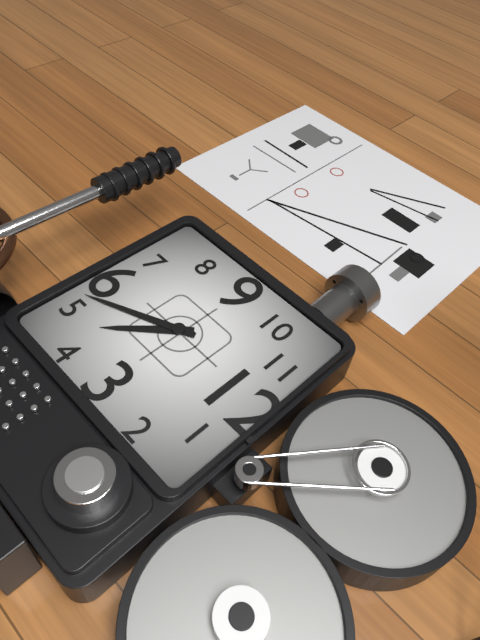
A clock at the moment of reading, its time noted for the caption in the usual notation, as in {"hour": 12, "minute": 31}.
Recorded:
{"hour": 4, "minute": 26}
